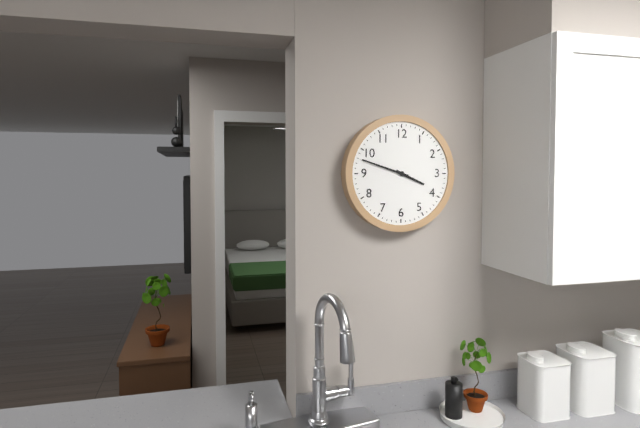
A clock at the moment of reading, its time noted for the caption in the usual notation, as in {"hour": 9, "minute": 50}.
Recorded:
{"hour": 3, "minute": 48}
